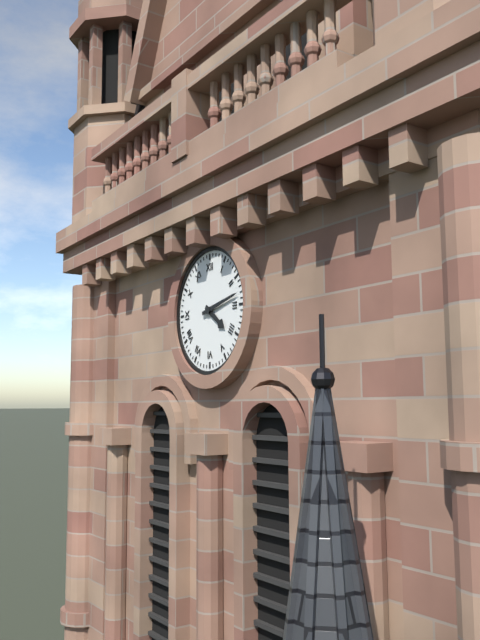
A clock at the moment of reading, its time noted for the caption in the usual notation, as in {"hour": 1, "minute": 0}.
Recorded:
{"hour": 4, "minute": 13}
